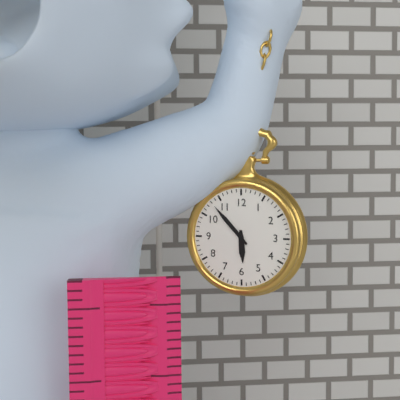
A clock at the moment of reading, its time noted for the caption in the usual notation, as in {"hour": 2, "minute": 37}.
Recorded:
{"hour": 5, "minute": 53}
